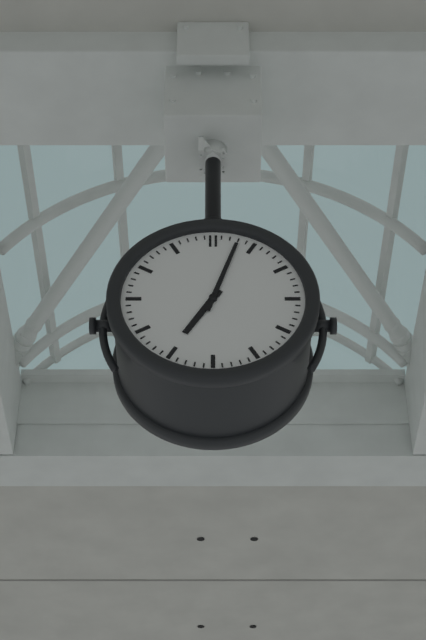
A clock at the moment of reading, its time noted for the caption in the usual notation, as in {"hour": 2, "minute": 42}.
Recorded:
{"hour": 7, "minute": 3}
